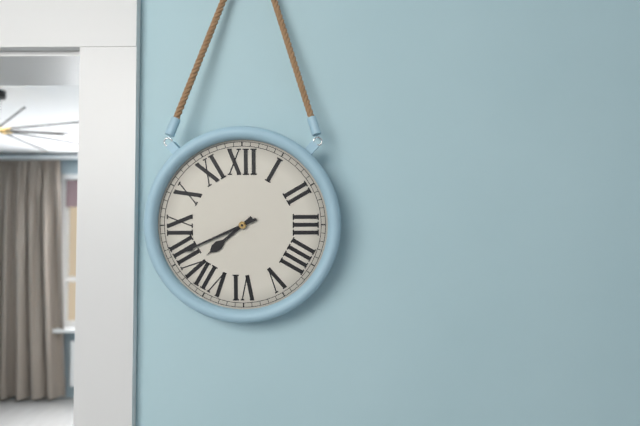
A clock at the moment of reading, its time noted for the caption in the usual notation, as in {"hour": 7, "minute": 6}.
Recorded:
{"hour": 7, "minute": 41}
